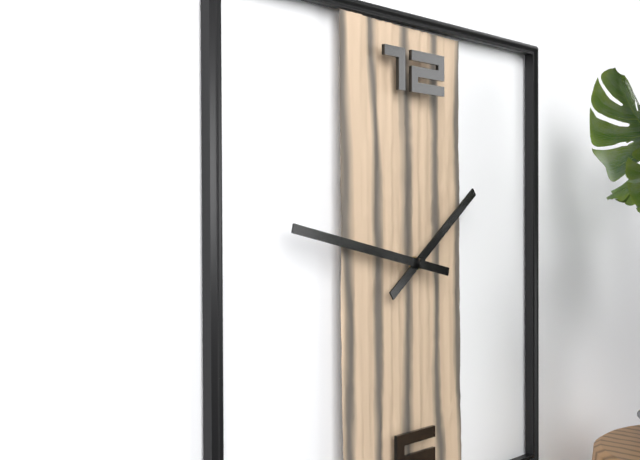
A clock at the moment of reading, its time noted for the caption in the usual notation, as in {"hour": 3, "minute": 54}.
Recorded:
{"hour": 1, "minute": 47}
